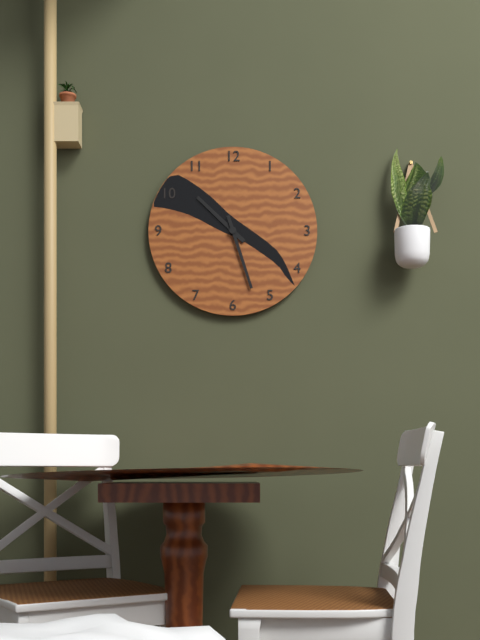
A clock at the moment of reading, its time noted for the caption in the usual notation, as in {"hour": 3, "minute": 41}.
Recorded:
{"hour": 10, "minute": 27}
